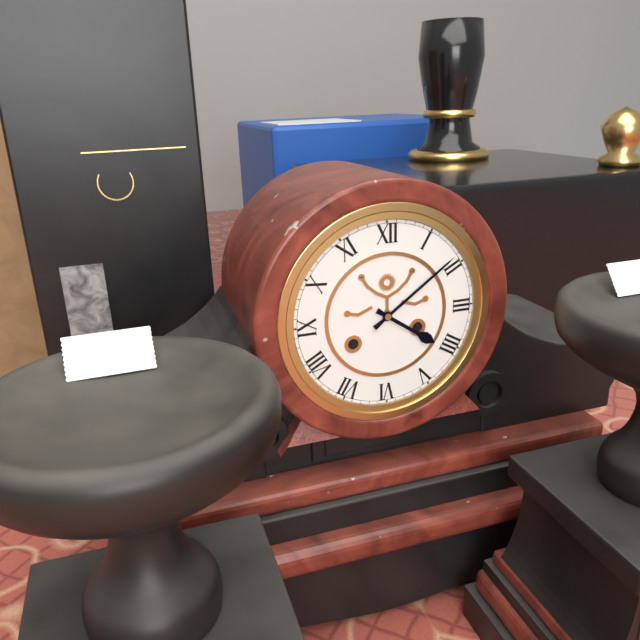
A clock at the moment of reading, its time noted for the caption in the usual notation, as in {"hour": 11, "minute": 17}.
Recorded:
{"hour": 4, "minute": 9}
